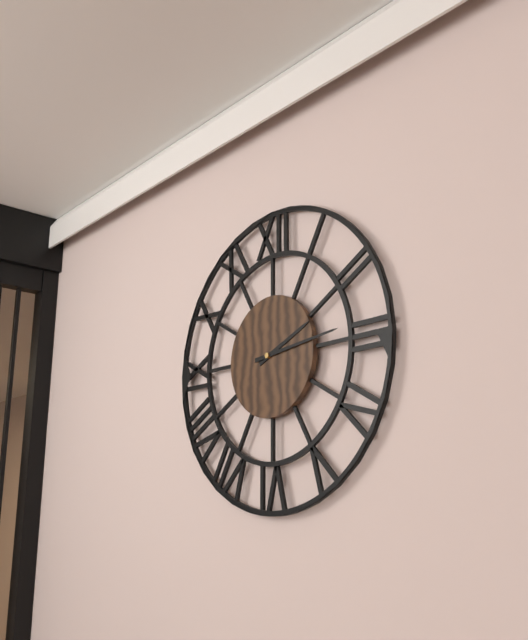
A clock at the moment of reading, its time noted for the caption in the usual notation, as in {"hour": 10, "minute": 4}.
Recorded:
{"hour": 2, "minute": 14}
